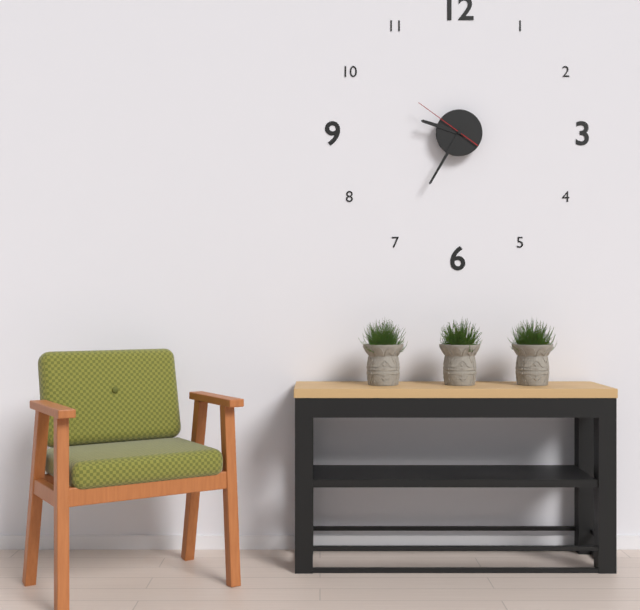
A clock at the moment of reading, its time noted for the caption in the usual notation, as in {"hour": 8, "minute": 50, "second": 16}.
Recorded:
{"hour": 9, "minute": 35, "second": 51}
